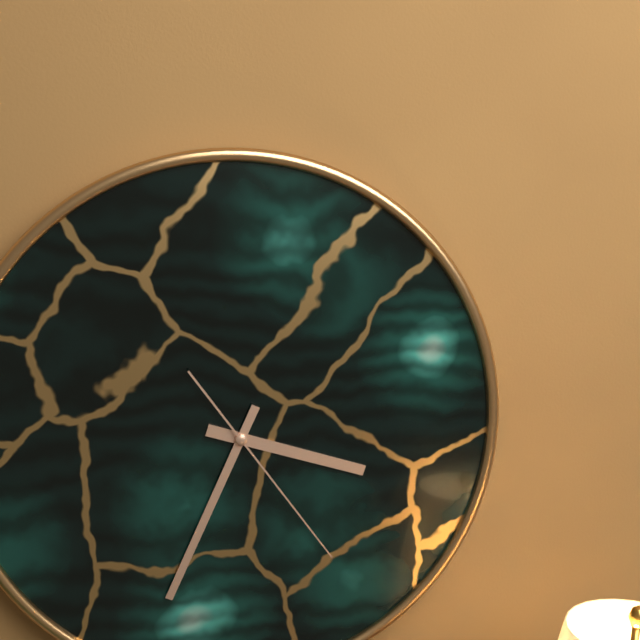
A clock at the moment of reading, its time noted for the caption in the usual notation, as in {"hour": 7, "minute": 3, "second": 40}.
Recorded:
{"hour": 3, "minute": 34, "second": 24}
